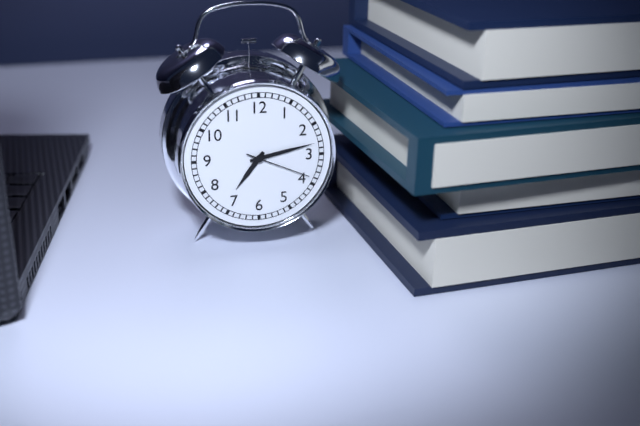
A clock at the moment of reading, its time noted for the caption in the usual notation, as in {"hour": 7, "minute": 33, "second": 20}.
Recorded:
{"hour": 7, "minute": 13, "second": 19}
